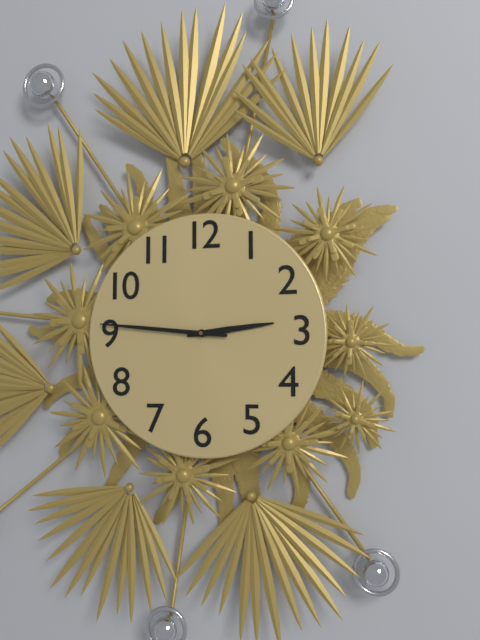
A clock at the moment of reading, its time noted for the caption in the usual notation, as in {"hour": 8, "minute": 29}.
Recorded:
{"hour": 2, "minute": 46}
